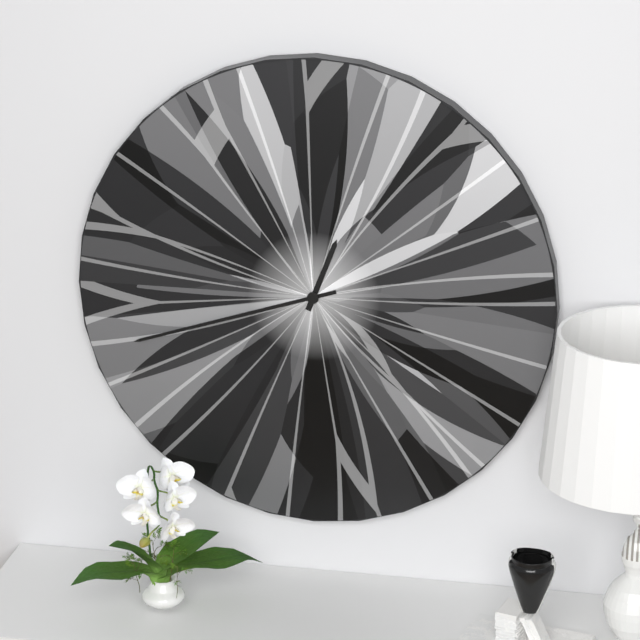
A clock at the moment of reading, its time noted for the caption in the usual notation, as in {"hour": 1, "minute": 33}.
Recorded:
{"hour": 12, "minute": 42}
